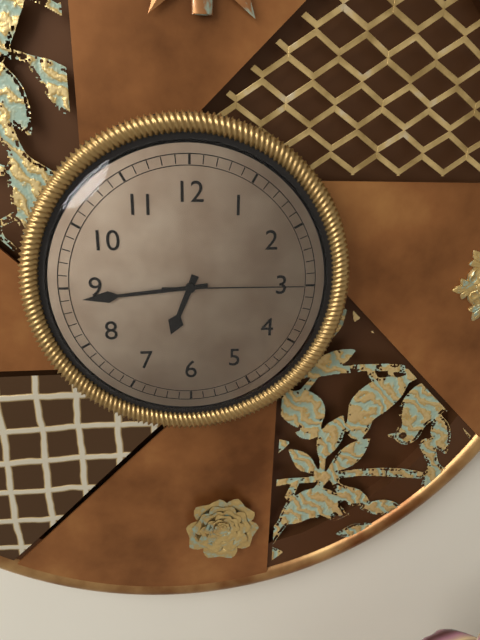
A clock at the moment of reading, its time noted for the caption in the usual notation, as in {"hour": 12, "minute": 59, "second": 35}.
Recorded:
{"hour": 6, "minute": 44, "second": 15}
